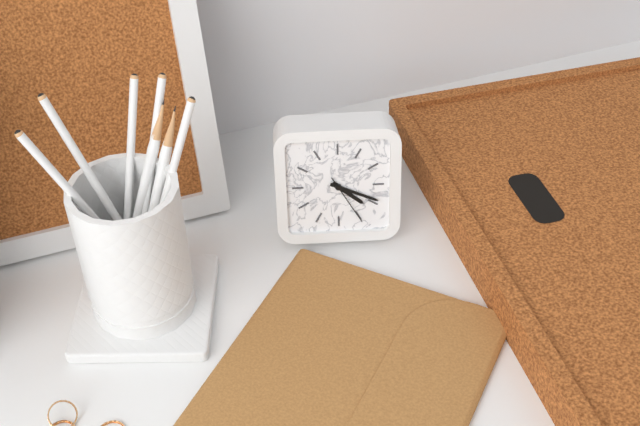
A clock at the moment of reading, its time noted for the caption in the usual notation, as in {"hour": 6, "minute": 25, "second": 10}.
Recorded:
{"hour": 4, "minute": 19, "second": 25}
